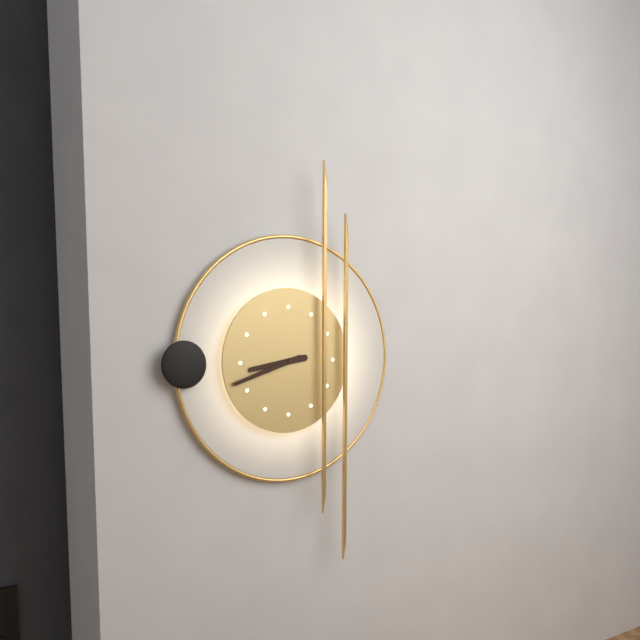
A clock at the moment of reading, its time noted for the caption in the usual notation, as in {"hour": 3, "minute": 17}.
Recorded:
{"hour": 8, "minute": 42}
